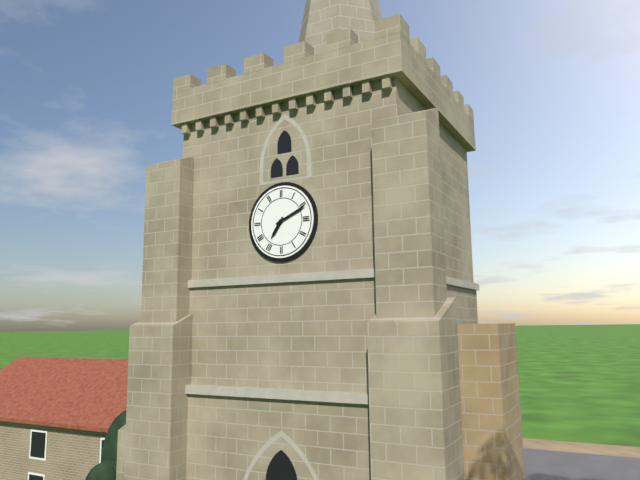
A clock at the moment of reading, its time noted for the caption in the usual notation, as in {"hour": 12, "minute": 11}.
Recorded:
{"hour": 7, "minute": 11}
